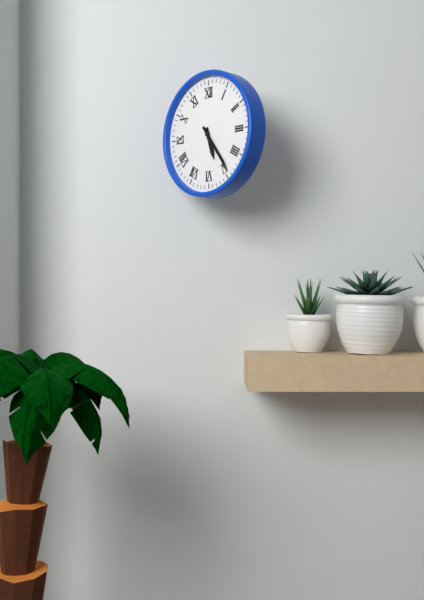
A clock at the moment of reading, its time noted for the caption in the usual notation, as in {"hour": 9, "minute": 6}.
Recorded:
{"hour": 5, "minute": 24}
